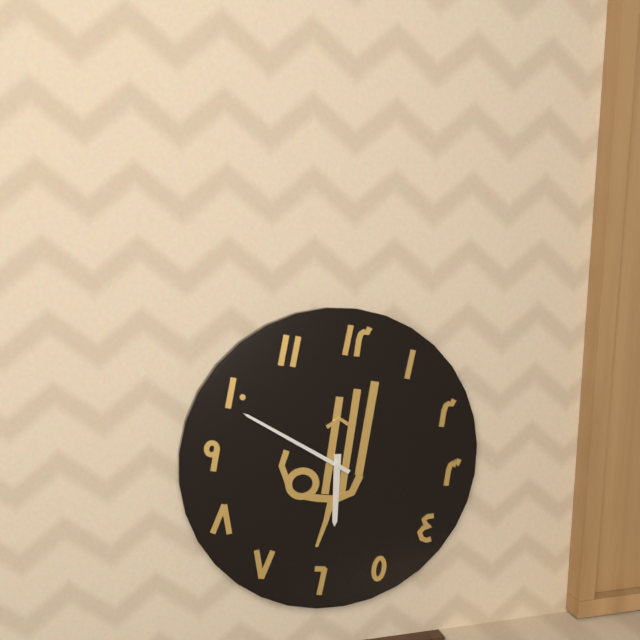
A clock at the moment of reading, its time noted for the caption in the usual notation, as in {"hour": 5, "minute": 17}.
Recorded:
{"hour": 5, "minute": 49}
